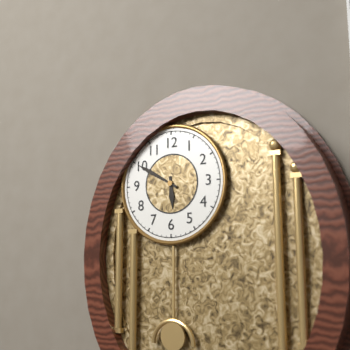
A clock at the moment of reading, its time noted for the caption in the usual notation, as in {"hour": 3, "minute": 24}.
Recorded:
{"hour": 5, "minute": 50}
